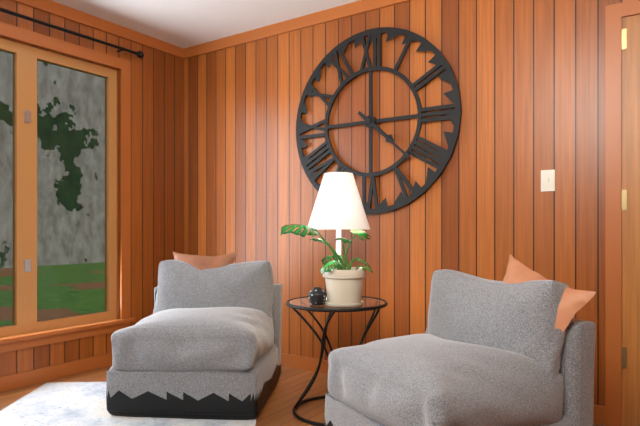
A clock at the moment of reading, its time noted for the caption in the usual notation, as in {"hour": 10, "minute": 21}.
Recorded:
{"hour": 4, "minute": 22}
